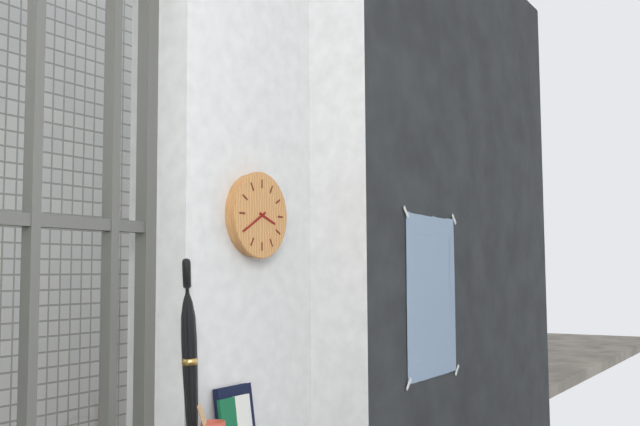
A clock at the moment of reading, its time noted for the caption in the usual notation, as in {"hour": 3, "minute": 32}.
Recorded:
{"hour": 3, "minute": 40}
